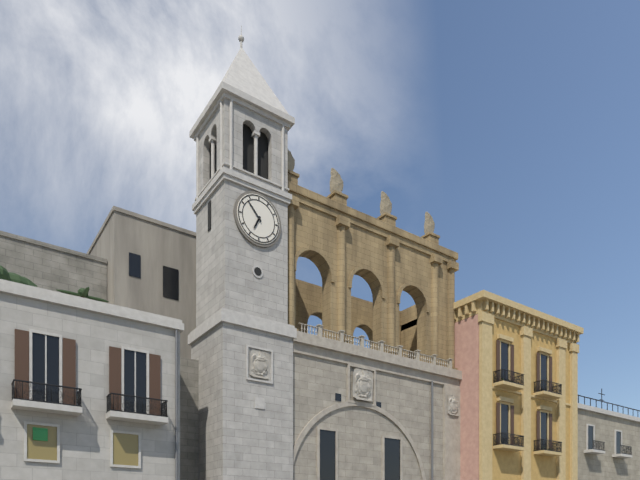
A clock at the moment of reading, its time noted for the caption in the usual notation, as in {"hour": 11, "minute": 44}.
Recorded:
{"hour": 6, "minute": 53}
